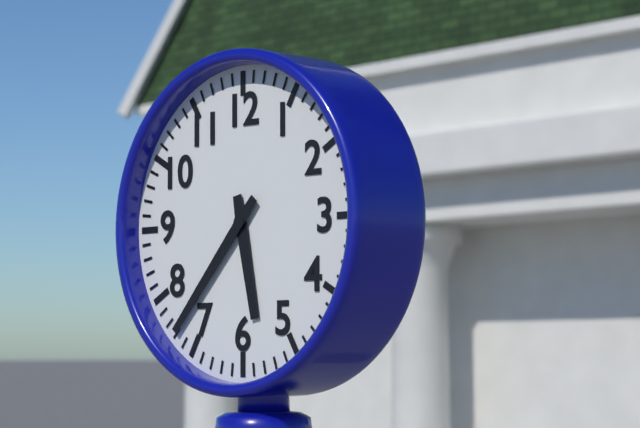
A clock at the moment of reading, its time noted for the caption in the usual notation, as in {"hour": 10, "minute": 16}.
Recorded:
{"hour": 5, "minute": 37}
